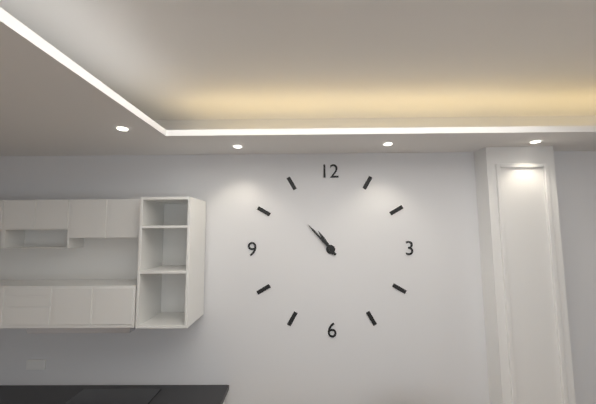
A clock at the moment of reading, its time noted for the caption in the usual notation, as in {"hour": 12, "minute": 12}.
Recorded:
{"hour": 10, "minute": 53}
